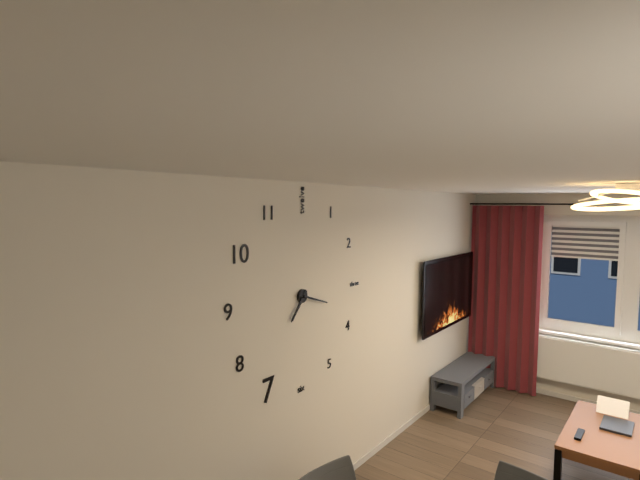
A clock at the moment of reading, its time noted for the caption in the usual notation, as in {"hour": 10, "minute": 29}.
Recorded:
{"hour": 7, "minute": 18}
